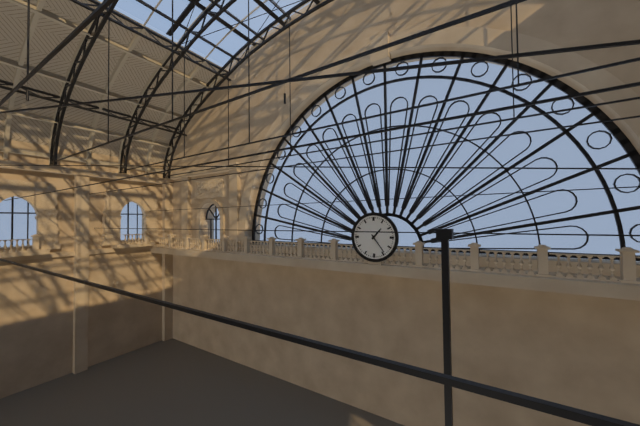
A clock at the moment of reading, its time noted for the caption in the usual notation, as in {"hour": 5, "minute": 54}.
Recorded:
{"hour": 1, "minute": 24}
